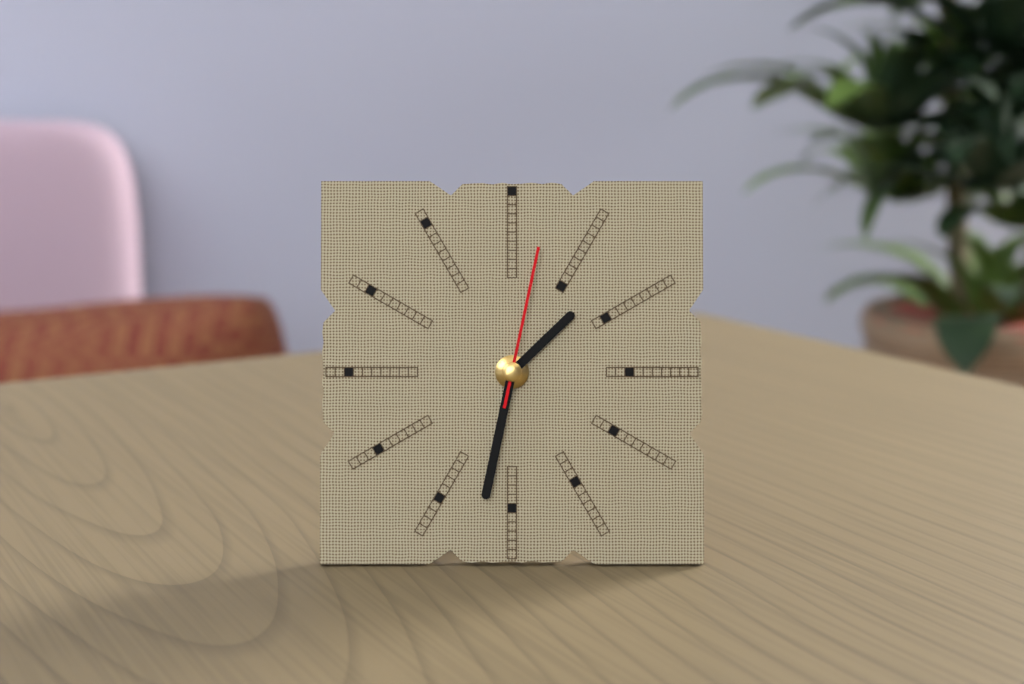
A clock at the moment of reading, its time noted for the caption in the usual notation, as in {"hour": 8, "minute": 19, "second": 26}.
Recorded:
{"hour": 1, "minute": 32, "second": 2}
